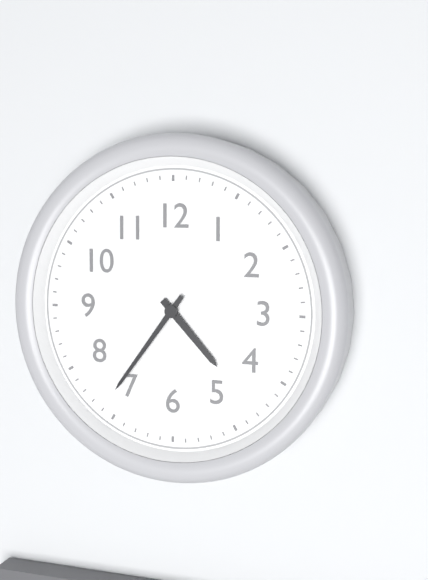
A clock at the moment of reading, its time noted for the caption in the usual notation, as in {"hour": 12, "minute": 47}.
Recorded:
{"hour": 4, "minute": 36}
